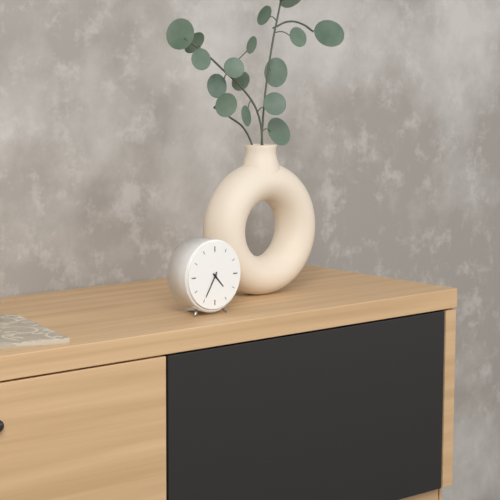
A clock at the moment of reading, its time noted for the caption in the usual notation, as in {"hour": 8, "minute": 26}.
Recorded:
{"hour": 4, "minute": 35}
